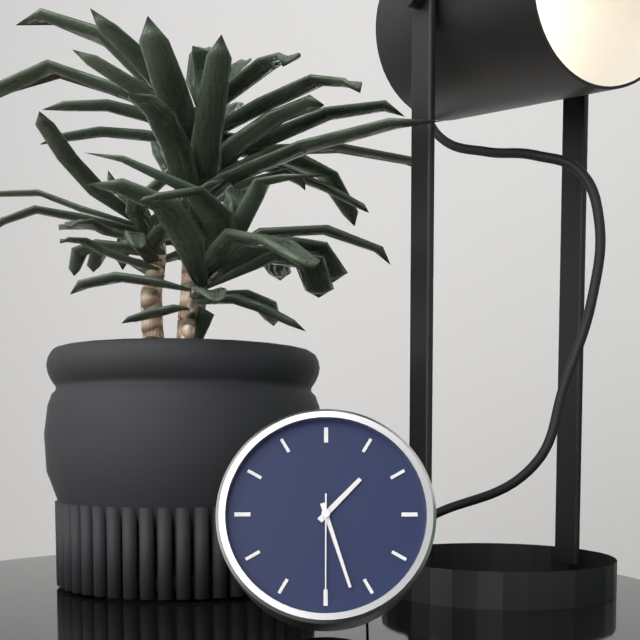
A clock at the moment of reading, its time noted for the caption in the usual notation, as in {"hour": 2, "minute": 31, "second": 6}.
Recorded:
{"hour": 1, "minute": 27, "second": 30}
